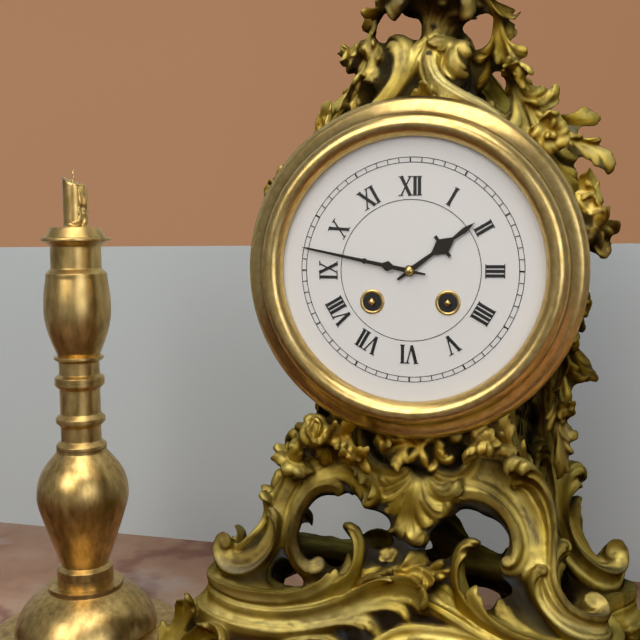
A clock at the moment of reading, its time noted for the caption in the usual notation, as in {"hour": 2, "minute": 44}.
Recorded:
{"hour": 1, "minute": 47}
